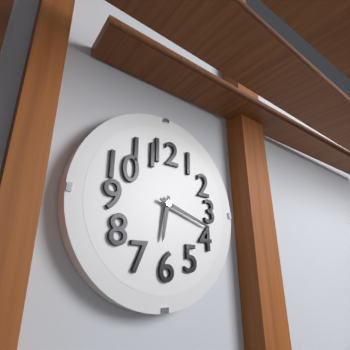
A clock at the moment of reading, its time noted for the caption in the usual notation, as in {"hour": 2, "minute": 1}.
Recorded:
{"hour": 6, "minute": 18}
